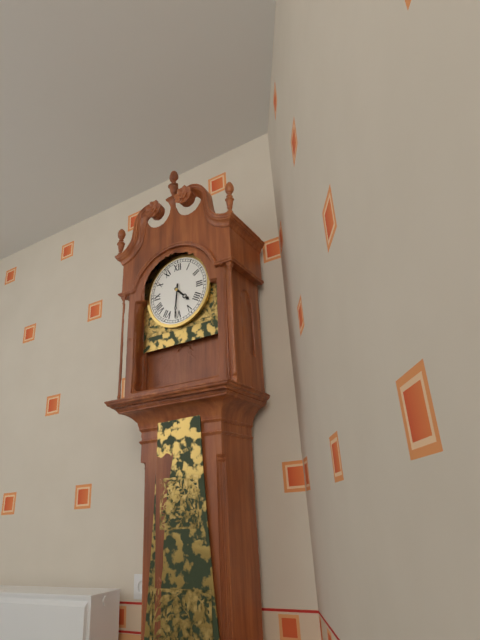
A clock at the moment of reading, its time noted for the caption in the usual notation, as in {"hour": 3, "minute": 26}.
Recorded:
{"hour": 4, "minute": 31}
